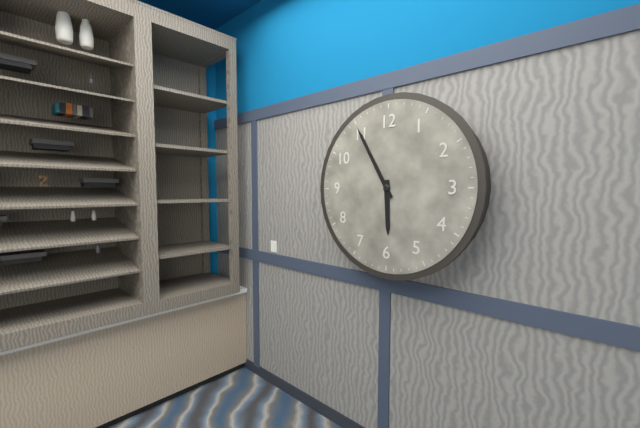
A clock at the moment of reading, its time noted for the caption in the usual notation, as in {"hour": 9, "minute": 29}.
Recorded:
{"hour": 5, "minute": 55}
